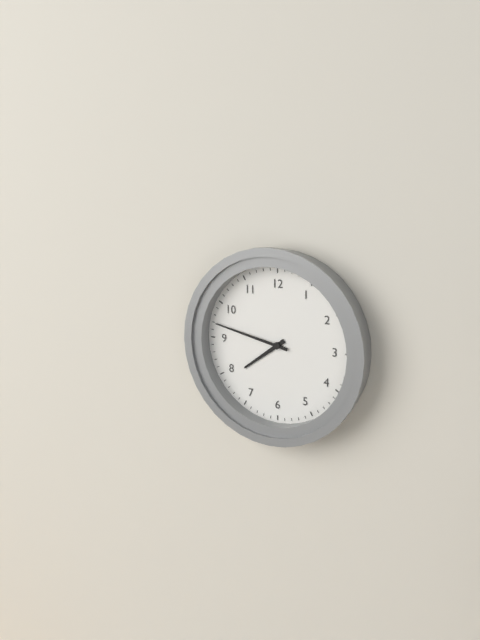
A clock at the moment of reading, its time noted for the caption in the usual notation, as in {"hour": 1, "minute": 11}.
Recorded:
{"hour": 7, "minute": 47}
